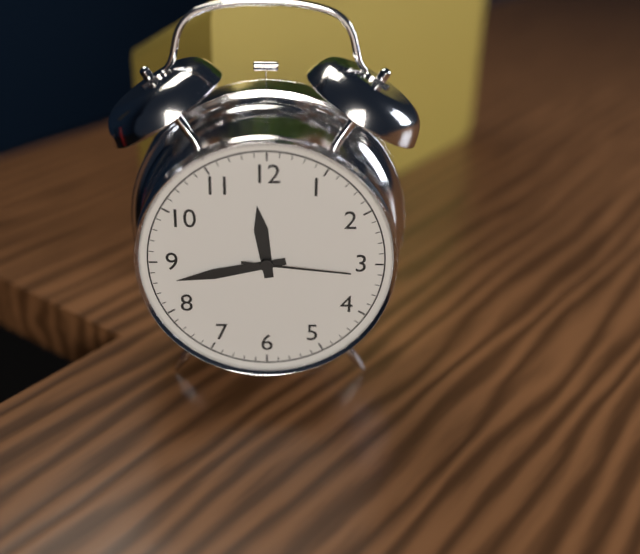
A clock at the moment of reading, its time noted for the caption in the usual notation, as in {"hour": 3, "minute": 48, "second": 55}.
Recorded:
{"hour": 11, "minute": 43, "second": 16}
